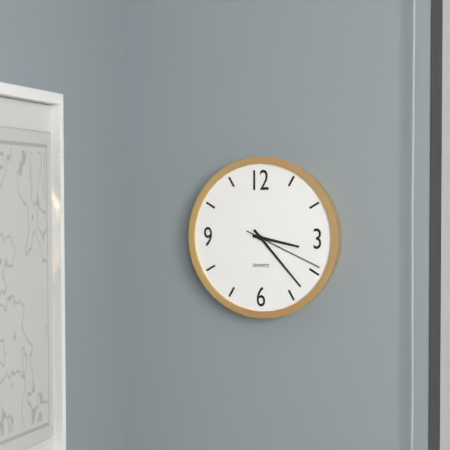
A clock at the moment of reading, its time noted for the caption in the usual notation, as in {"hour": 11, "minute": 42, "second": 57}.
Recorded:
{"hour": 3, "minute": 23, "second": 19}
